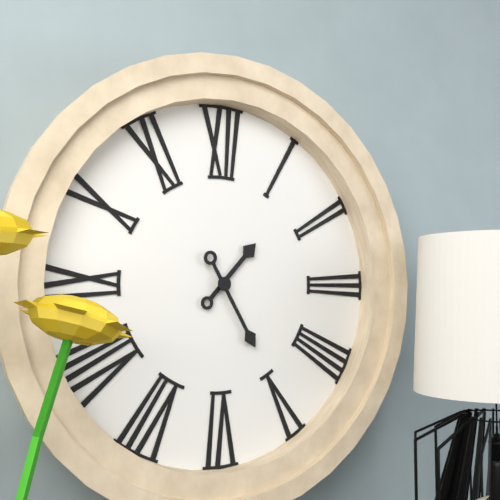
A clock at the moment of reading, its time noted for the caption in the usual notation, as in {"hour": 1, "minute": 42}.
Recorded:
{"hour": 1, "minute": 25}
